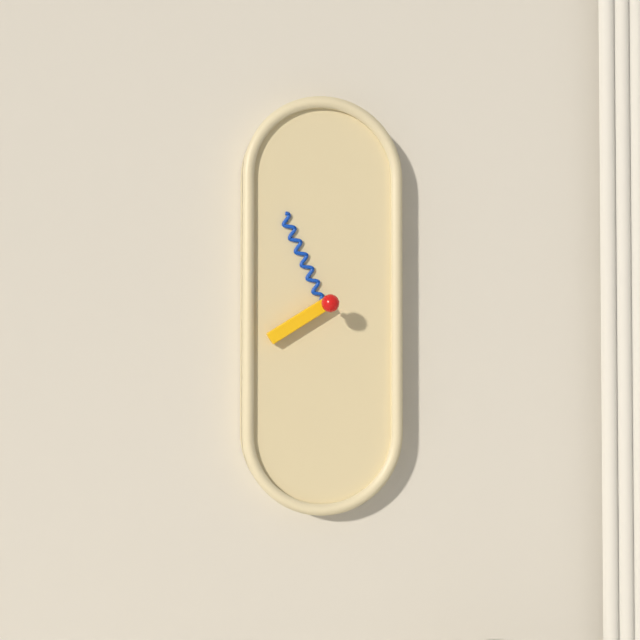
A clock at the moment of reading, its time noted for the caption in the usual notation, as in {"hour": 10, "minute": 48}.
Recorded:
{"hour": 7, "minute": 56}
